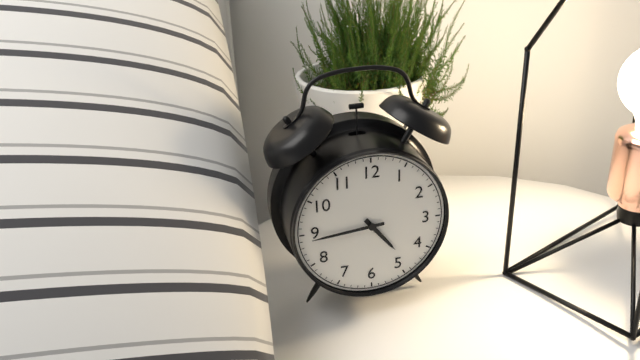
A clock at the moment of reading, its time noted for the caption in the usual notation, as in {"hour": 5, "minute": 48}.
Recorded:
{"hour": 4, "minute": 44}
